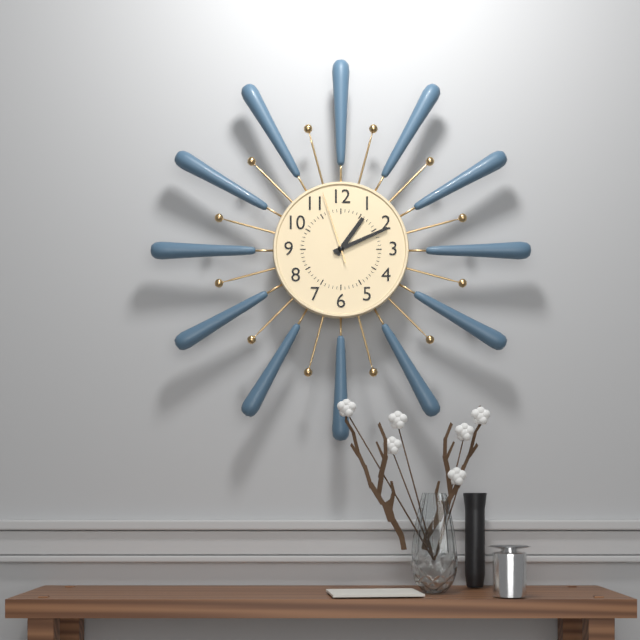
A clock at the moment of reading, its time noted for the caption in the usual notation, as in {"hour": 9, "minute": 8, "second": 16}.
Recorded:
{"hour": 1, "minute": 11, "second": 57}
